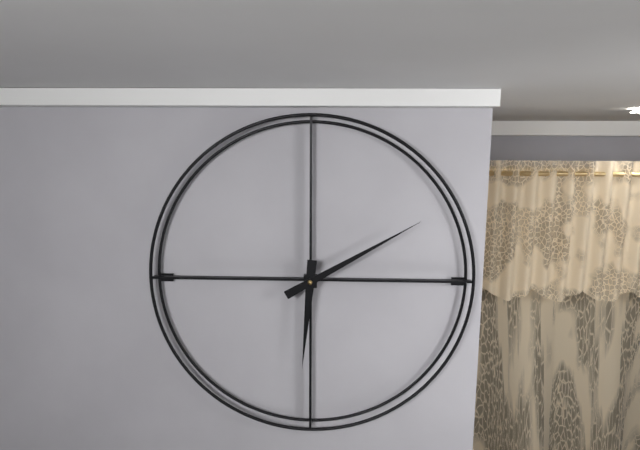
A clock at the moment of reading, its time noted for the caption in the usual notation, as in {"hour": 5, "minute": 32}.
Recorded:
{"hour": 6, "minute": 10}
